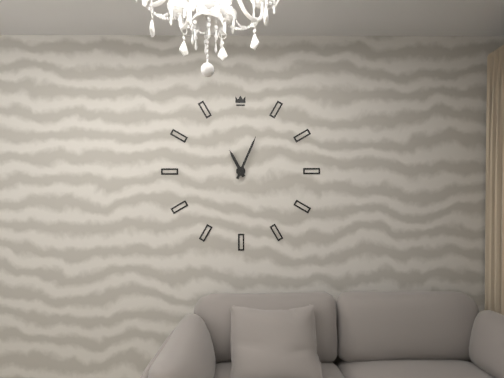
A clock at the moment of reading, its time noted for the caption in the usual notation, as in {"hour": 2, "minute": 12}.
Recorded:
{"hour": 11, "minute": 4}
